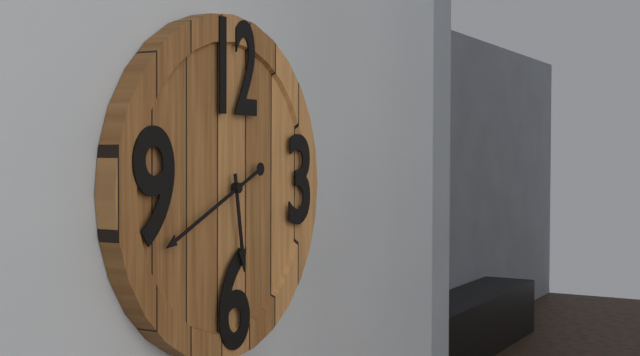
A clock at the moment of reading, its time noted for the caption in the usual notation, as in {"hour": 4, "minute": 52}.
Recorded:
{"hour": 5, "minute": 41}
